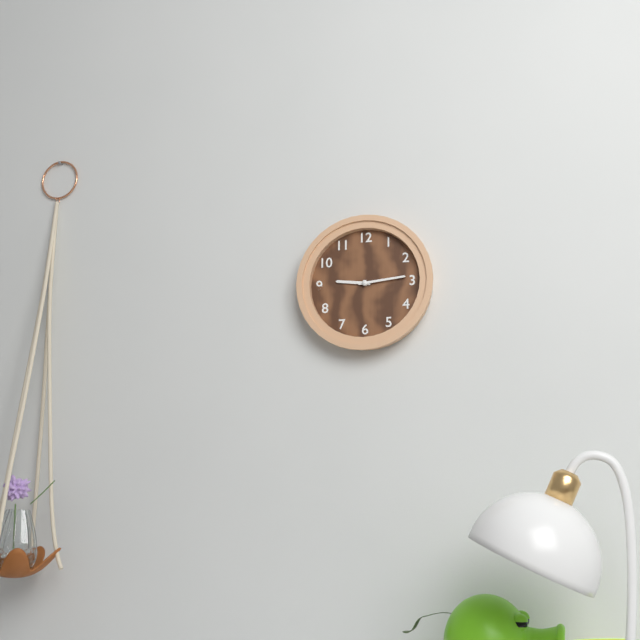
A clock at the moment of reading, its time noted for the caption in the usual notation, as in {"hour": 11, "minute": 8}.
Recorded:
{"hour": 9, "minute": 14}
